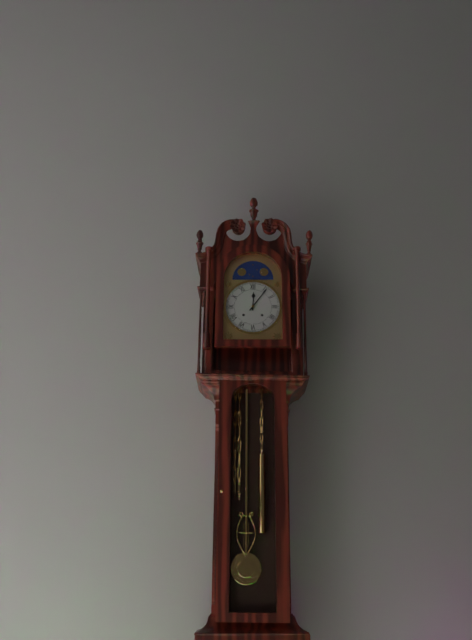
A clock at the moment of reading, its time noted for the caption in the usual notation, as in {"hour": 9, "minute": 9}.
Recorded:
{"hour": 12, "minute": 6}
